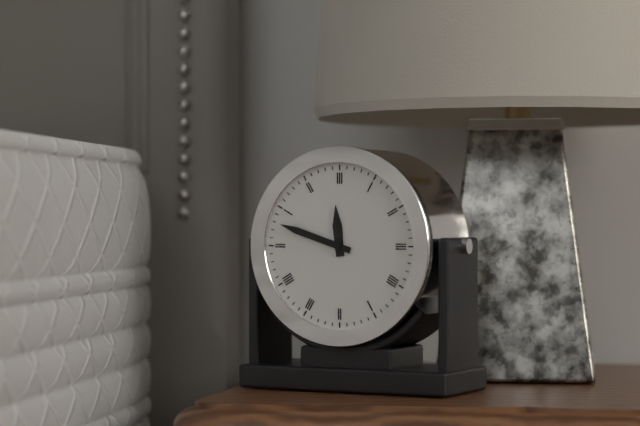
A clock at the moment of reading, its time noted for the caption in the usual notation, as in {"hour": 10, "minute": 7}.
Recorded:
{"hour": 11, "minute": 48}
